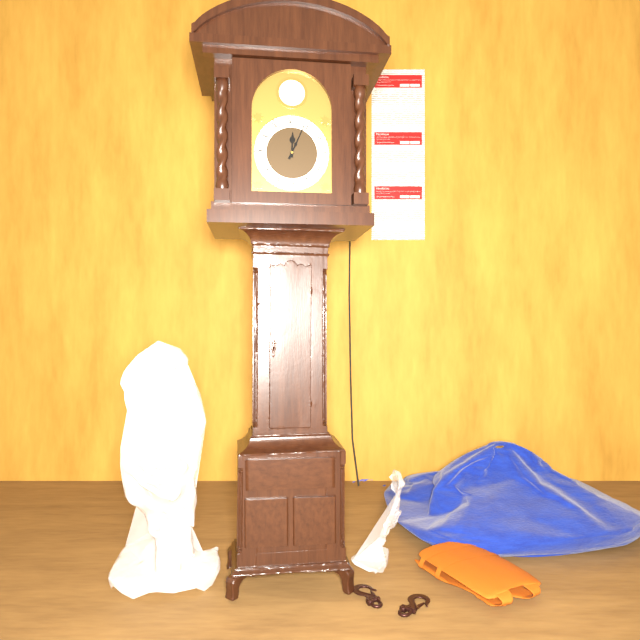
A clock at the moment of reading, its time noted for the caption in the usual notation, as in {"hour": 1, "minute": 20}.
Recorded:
{"hour": 12, "minute": 4}
